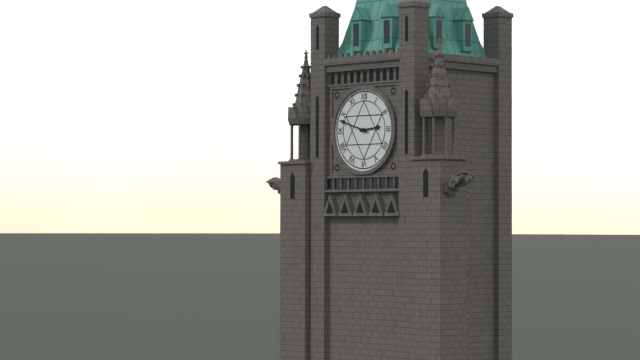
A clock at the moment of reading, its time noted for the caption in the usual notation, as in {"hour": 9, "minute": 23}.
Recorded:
{"hour": 2, "minute": 48}
